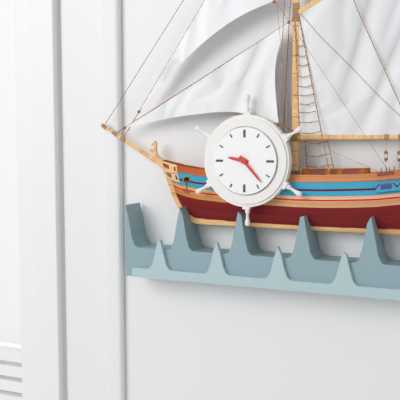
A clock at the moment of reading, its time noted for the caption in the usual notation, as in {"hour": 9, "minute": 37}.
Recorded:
{"hour": 9, "minute": 23}
